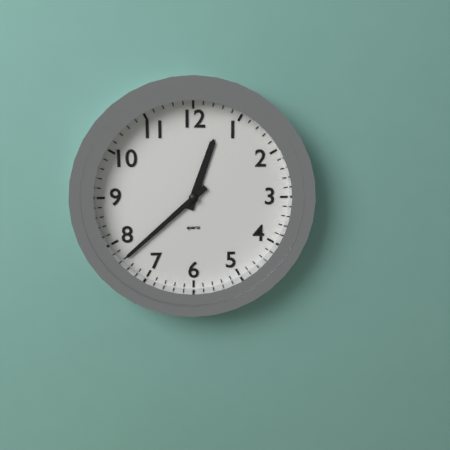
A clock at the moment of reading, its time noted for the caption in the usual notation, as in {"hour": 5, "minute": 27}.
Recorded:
{"hour": 12, "minute": 38}
